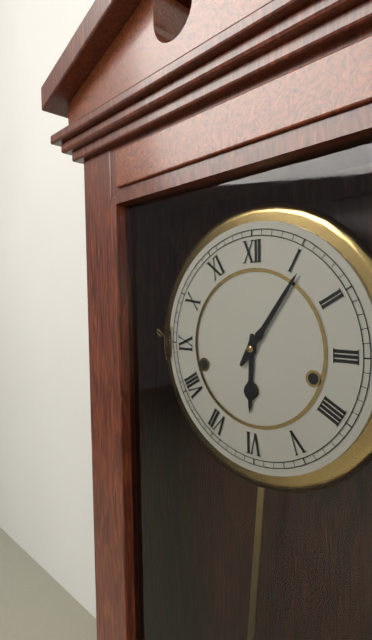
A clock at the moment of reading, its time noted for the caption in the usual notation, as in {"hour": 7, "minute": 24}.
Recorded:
{"hour": 6, "minute": 6}
